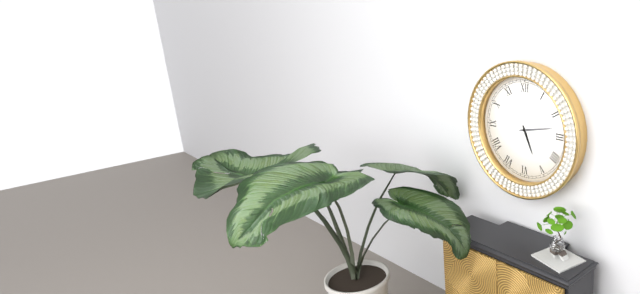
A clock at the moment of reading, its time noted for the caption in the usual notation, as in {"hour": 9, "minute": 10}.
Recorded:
{"hour": 5, "minute": 13}
